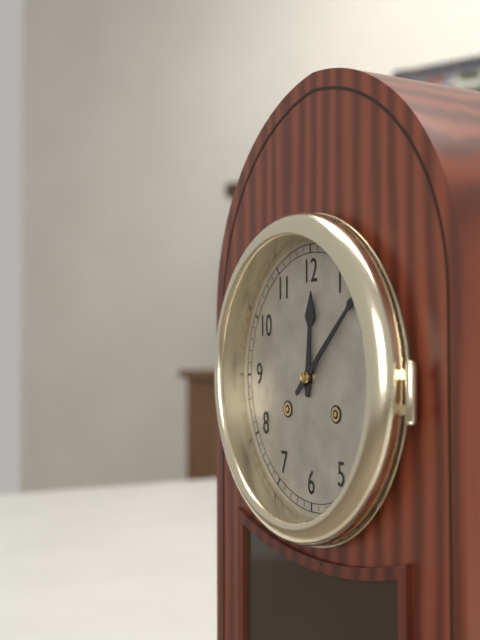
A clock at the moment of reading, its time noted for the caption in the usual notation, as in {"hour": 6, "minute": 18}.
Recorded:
{"hour": 12, "minute": 8}
